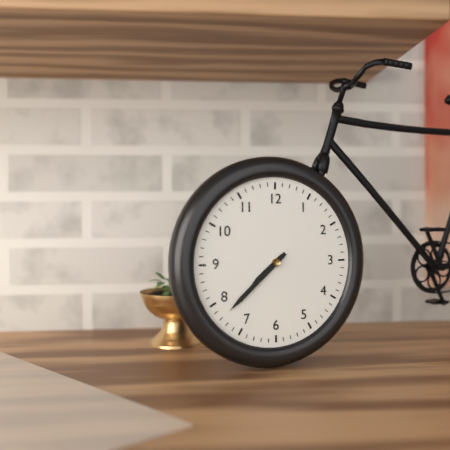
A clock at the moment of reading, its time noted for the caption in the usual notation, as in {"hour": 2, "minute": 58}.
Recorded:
{"hour": 7, "minute": 38}
